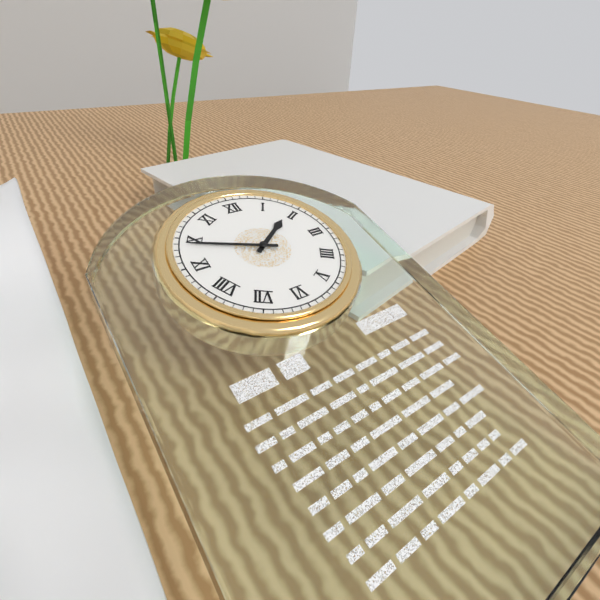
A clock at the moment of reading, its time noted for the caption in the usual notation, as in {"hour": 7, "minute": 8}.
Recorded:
{"hour": 1, "minute": 49}
